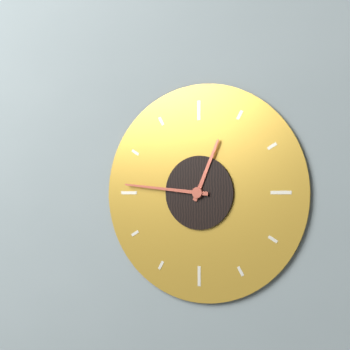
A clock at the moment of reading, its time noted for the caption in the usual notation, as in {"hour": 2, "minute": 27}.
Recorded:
{"hour": 12, "minute": 46}
